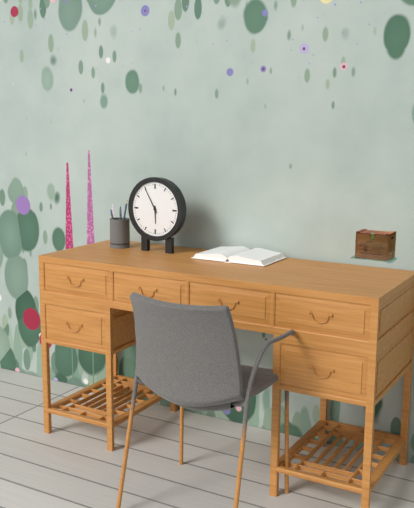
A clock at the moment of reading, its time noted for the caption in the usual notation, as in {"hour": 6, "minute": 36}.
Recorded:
{"hour": 5, "minute": 55}
